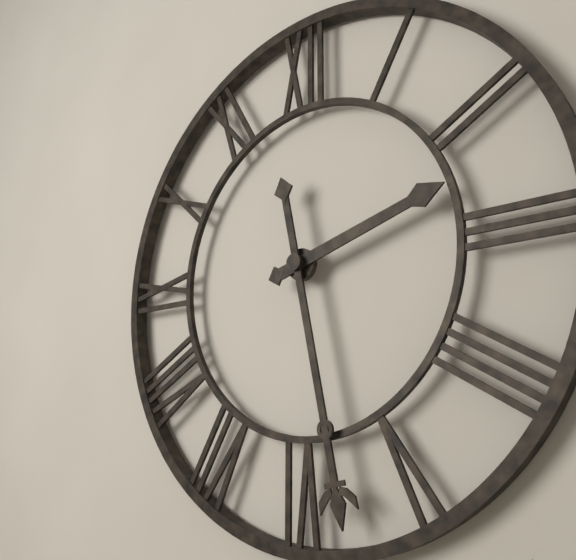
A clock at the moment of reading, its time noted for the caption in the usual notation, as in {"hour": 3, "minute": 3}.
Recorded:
{"hour": 2, "minute": 28}
